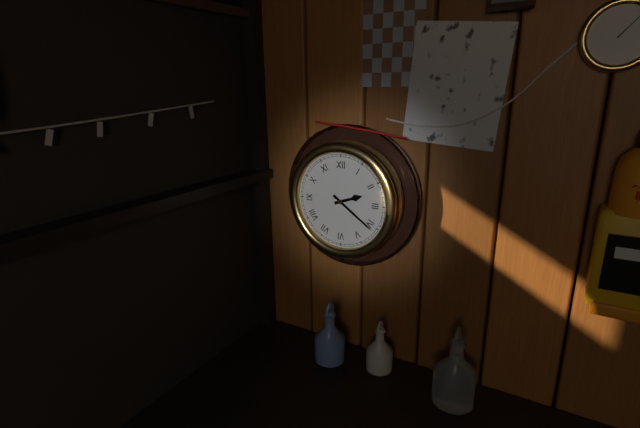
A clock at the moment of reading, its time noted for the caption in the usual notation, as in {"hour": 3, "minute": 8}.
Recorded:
{"hour": 2, "minute": 21}
